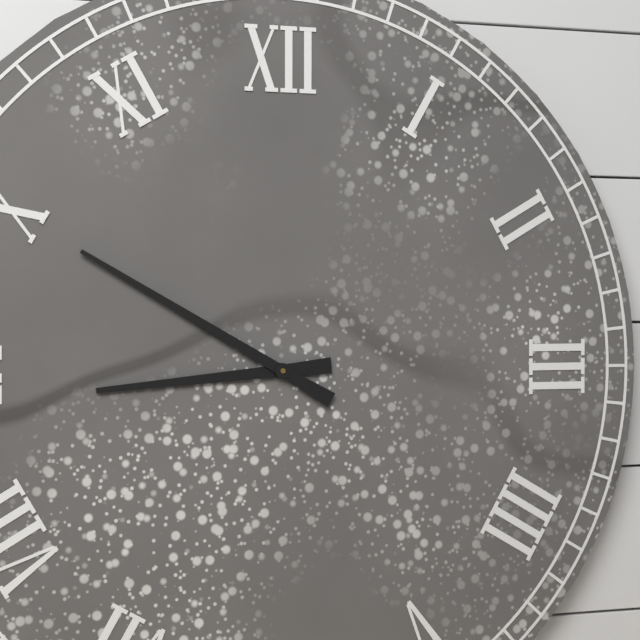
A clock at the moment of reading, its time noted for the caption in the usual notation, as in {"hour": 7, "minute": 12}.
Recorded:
{"hour": 8, "minute": 50}
